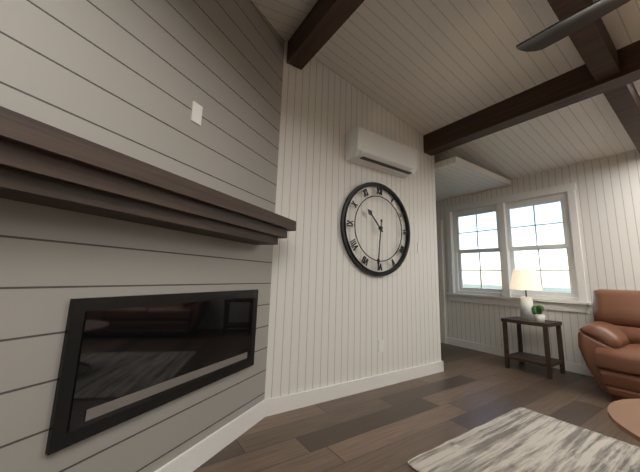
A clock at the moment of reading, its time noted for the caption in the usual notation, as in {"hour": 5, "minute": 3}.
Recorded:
{"hour": 10, "minute": 31}
